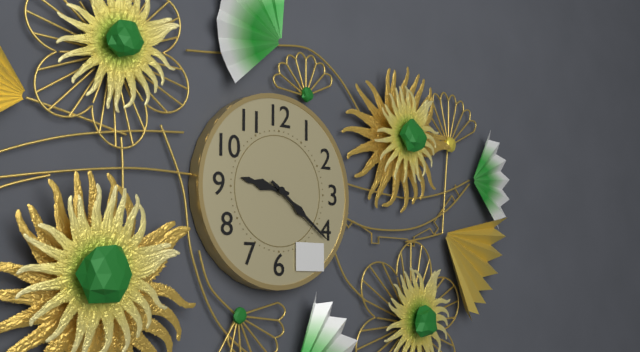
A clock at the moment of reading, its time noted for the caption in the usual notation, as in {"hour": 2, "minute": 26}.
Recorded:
{"hour": 9, "minute": 21}
